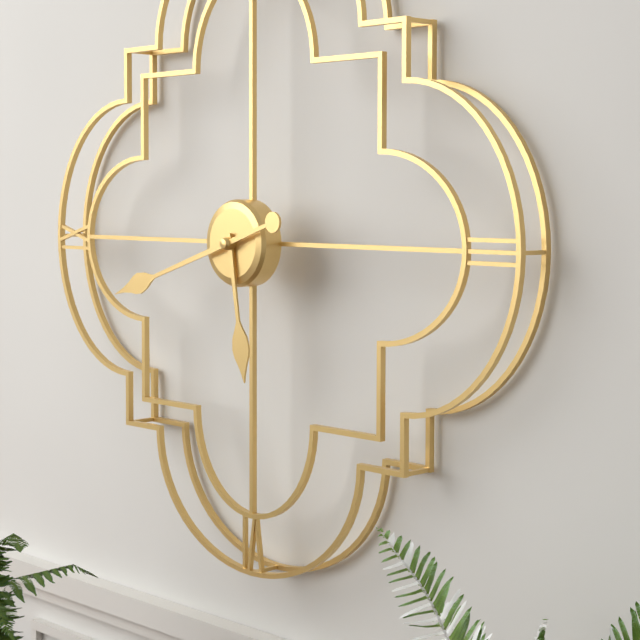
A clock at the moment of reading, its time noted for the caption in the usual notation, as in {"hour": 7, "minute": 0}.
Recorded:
{"hour": 5, "minute": 42}
